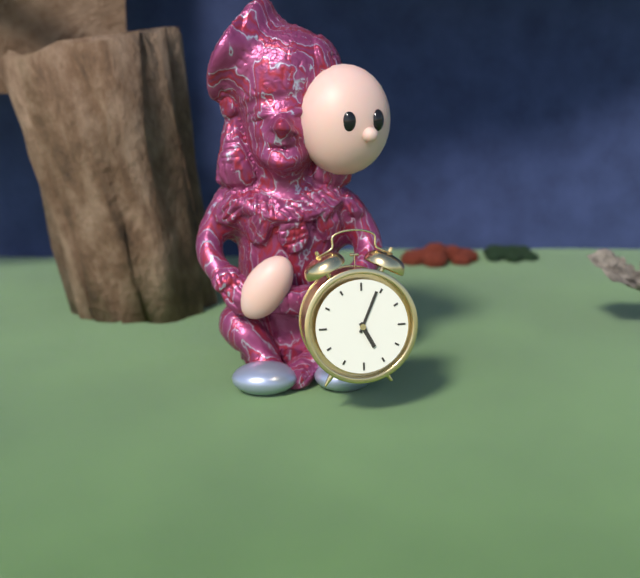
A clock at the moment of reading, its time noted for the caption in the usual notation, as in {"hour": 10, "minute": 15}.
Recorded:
{"hour": 5, "minute": 4}
